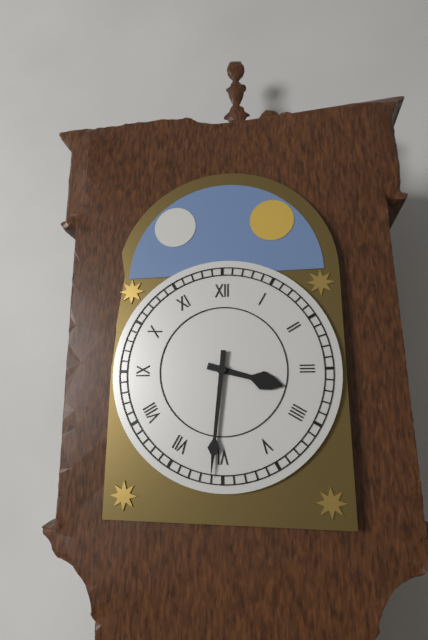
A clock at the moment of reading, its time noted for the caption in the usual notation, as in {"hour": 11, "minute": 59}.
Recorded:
{"hour": 3, "minute": 31}
